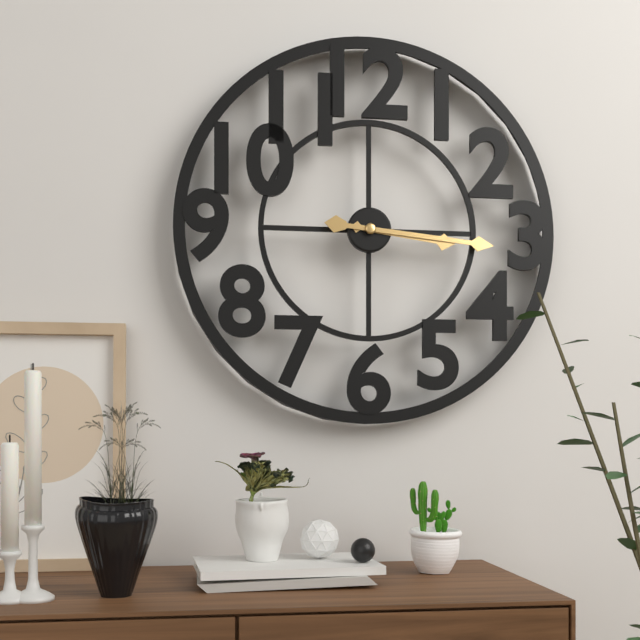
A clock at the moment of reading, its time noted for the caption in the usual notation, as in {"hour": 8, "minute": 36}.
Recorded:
{"hour": 3, "minute": 16}
